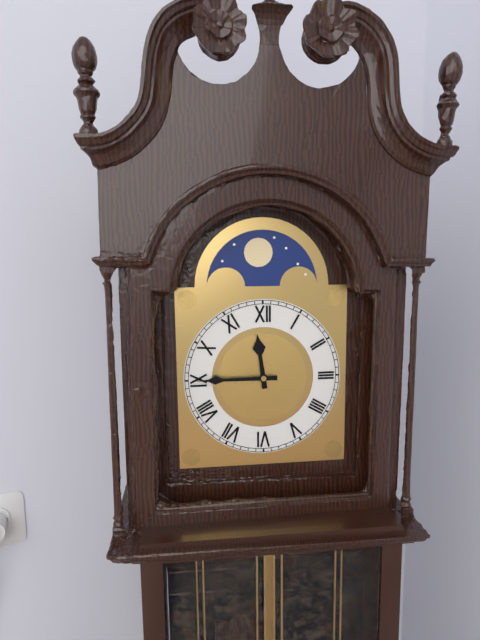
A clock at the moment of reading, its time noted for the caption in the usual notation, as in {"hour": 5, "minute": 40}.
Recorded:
{"hour": 11, "minute": 45}
